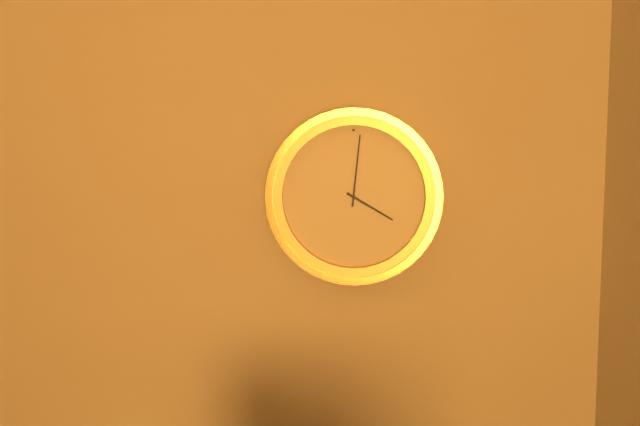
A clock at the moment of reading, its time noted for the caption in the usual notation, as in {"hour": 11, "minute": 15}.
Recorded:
{"hour": 4, "minute": 1}
